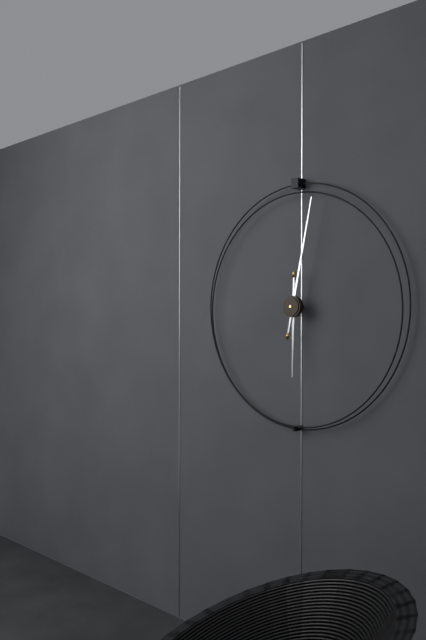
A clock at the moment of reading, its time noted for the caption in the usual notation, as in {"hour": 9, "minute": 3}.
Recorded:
{"hour": 6, "minute": 2}
